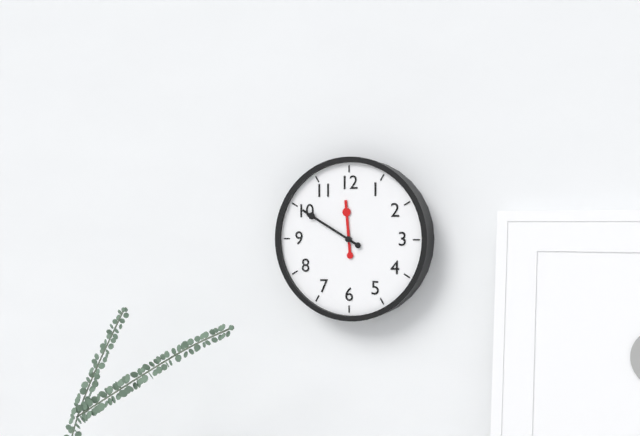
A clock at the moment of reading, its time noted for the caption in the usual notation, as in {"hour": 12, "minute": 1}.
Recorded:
{"hour": 11, "minute": 50}
